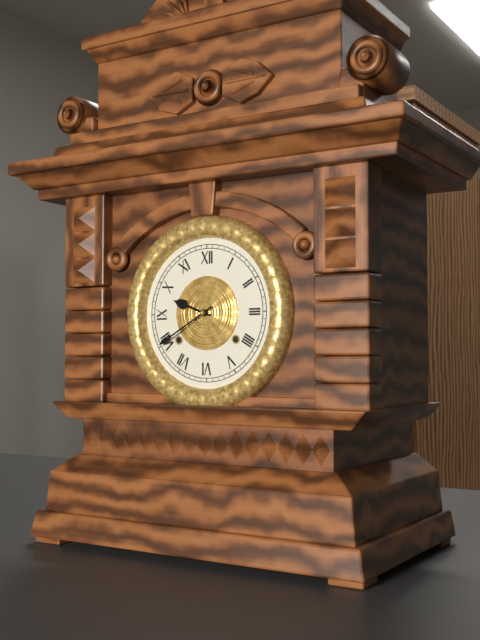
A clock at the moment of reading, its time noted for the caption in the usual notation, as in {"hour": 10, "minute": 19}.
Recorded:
{"hour": 9, "minute": 40}
